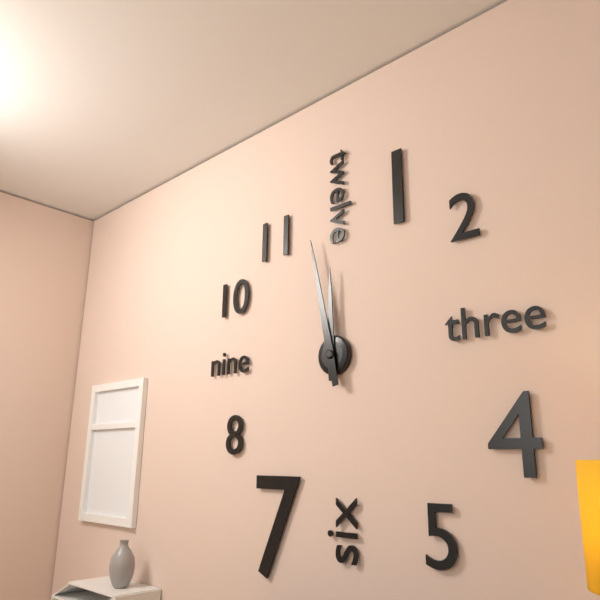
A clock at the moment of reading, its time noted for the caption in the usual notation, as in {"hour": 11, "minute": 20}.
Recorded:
{"hour": 11, "minute": 58}
